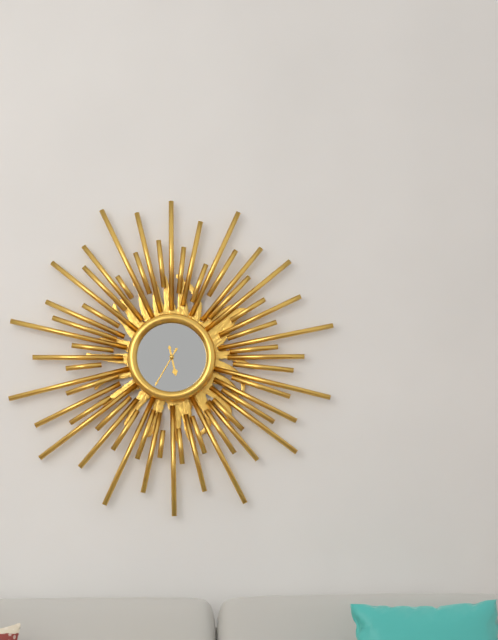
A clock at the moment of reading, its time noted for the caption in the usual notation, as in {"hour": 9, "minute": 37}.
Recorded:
{"hour": 5, "minute": 35}
